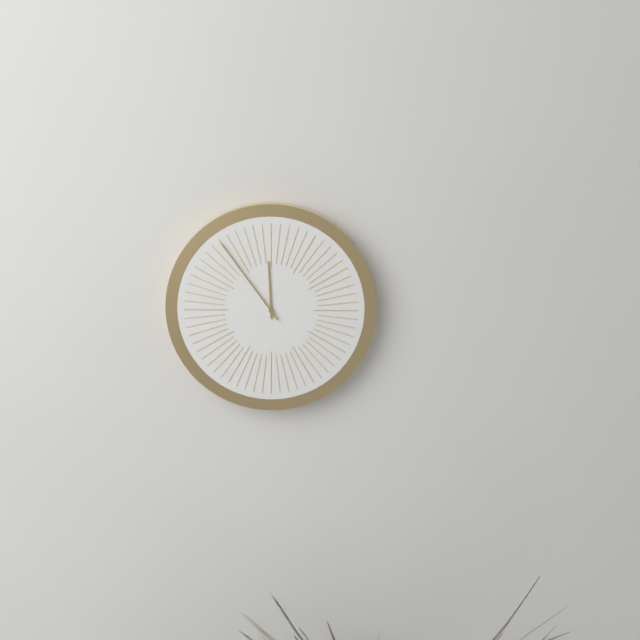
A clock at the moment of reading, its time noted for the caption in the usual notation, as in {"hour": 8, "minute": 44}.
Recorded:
{"hour": 11, "minute": 54}
